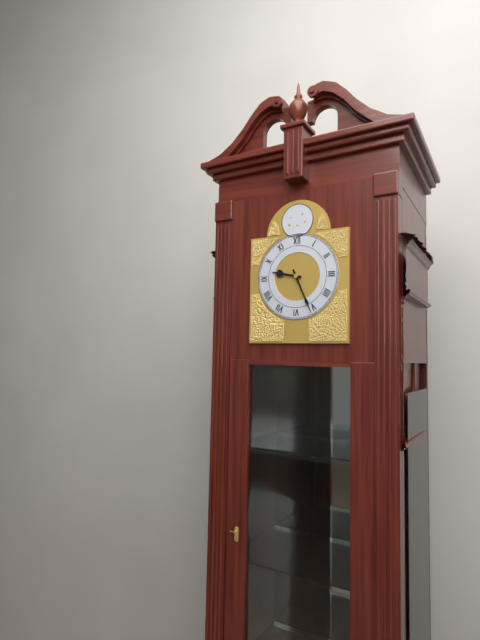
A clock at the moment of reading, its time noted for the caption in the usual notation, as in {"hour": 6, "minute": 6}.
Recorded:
{"hour": 9, "minute": 26}
